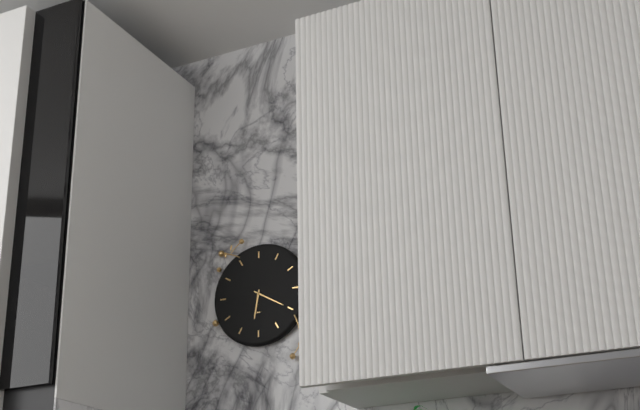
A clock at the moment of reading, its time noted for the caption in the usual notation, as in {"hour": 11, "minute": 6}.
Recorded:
{"hour": 6, "minute": 20}
